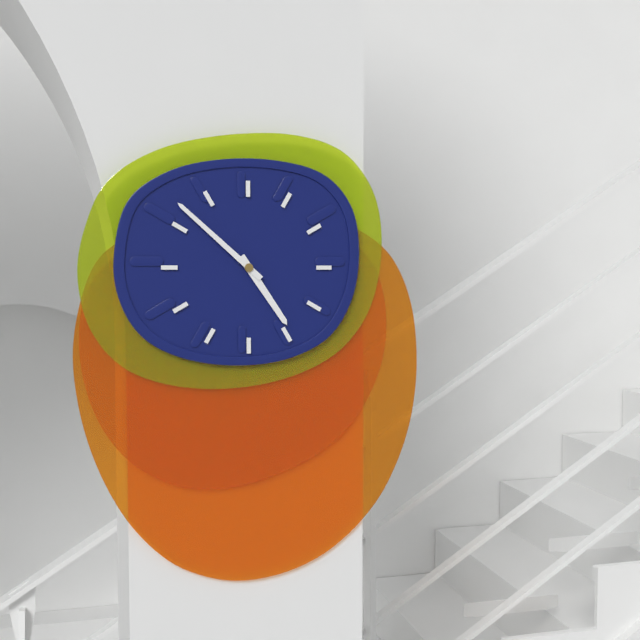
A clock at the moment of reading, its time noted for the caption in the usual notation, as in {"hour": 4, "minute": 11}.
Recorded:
{"hour": 4, "minute": 52}
